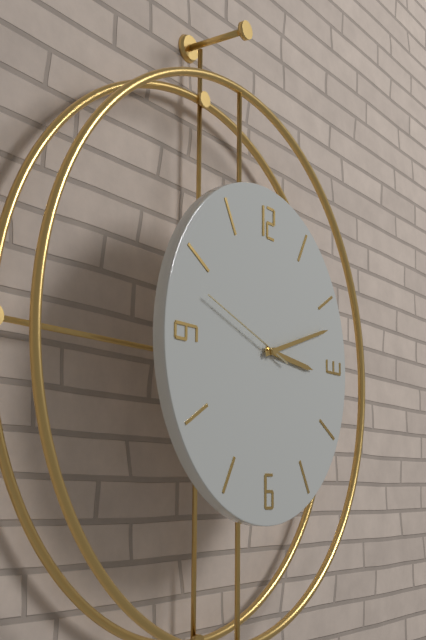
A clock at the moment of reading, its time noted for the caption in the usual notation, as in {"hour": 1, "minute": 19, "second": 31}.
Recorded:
{"hour": 3, "minute": 12, "second": 48}
